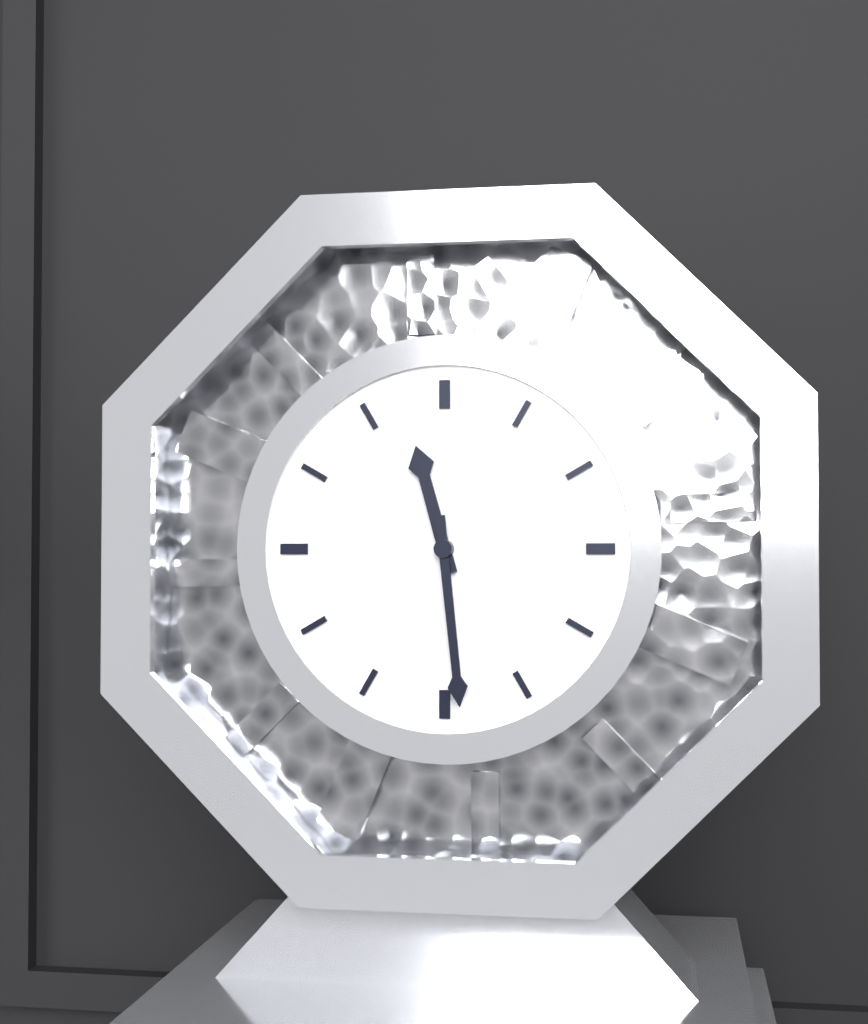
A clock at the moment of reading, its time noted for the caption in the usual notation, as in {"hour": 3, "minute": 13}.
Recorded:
{"hour": 11, "minute": 29}
